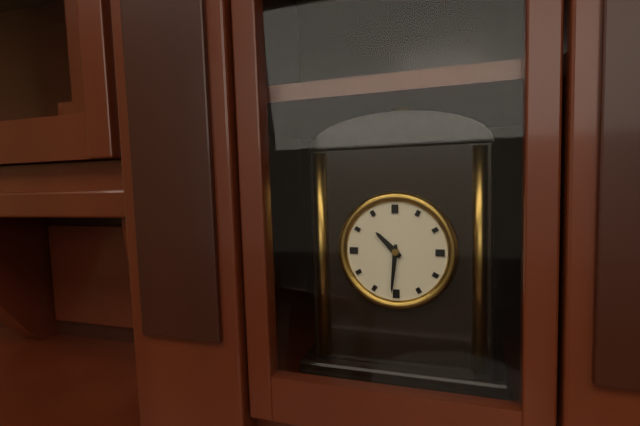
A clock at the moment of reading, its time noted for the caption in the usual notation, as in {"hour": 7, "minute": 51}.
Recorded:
{"hour": 10, "minute": 31}
